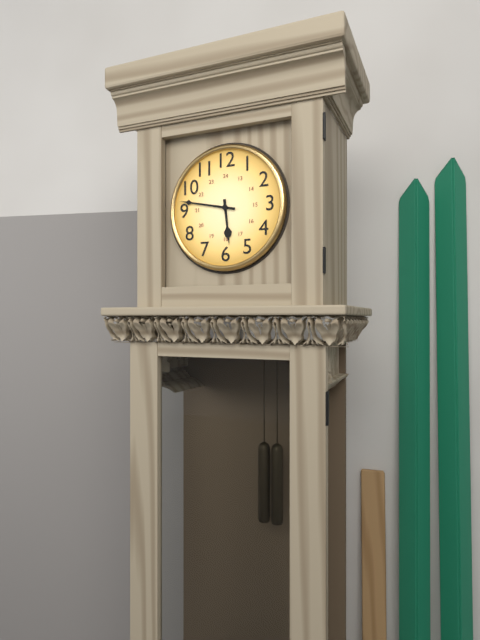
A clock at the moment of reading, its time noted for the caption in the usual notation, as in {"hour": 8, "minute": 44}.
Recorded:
{"hour": 5, "minute": 47}
